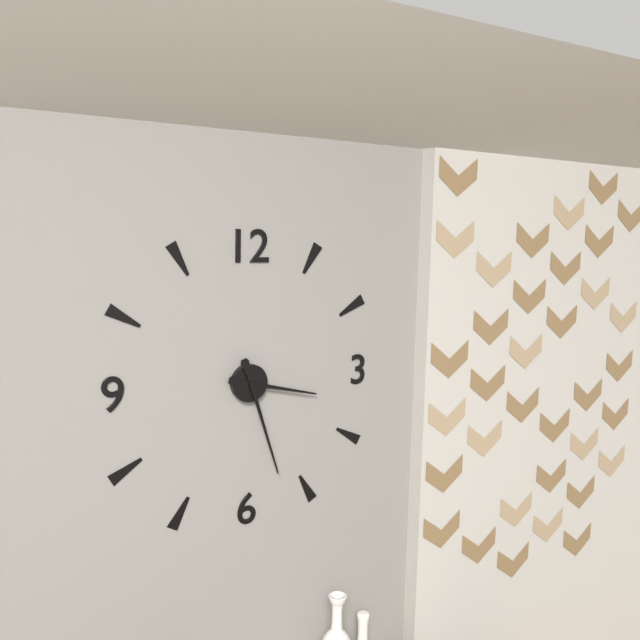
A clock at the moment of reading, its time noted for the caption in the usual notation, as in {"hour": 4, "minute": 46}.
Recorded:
{"hour": 3, "minute": 27}
